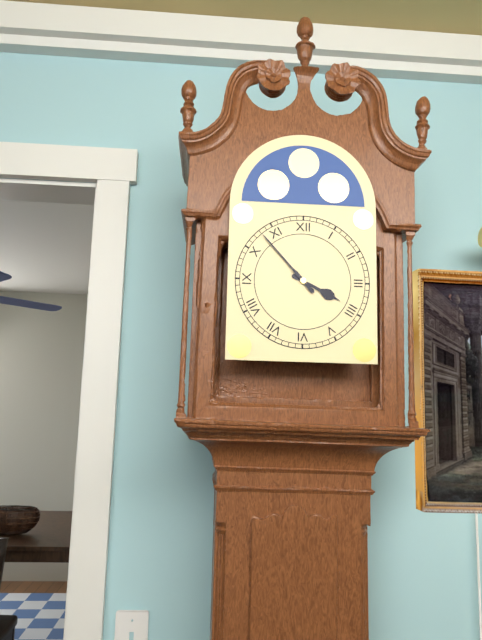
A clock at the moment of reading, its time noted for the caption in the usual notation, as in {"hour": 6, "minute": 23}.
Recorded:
{"hour": 3, "minute": 53}
